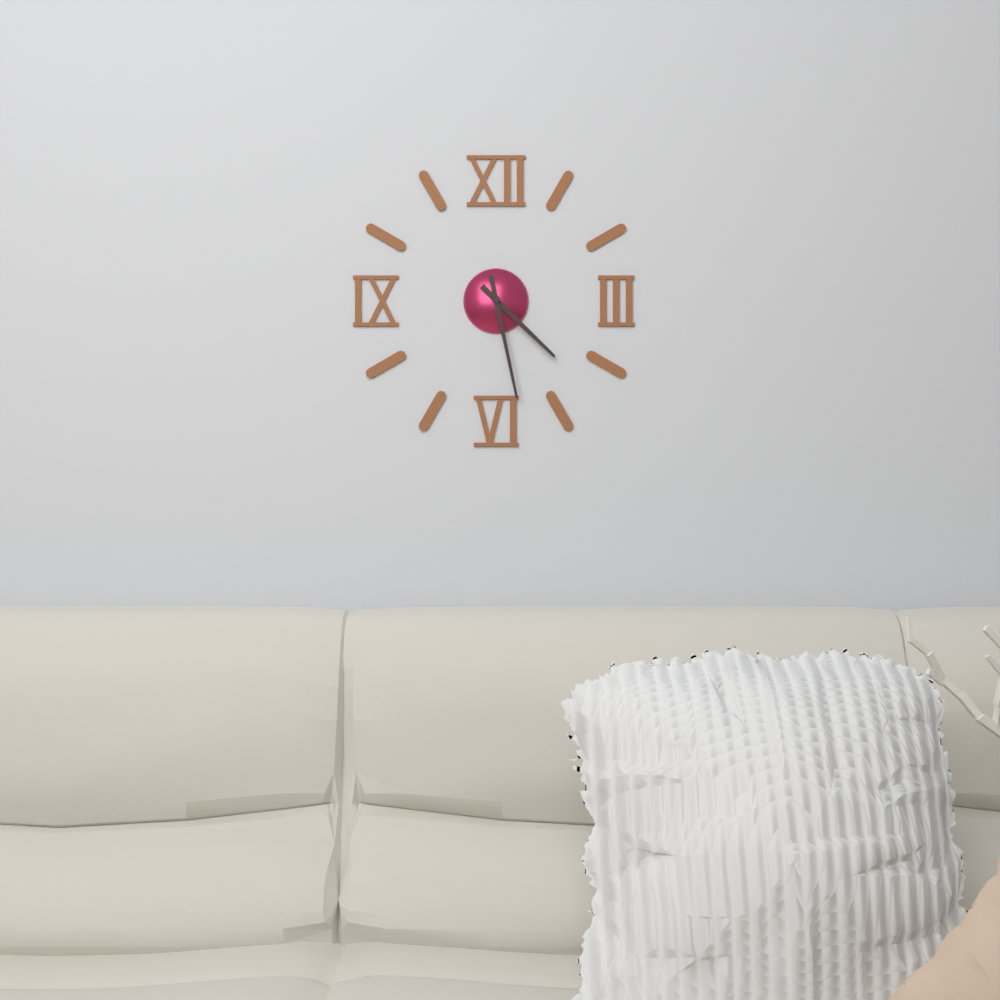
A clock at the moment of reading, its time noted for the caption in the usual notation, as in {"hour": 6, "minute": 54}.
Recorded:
{"hour": 4, "minute": 28}
